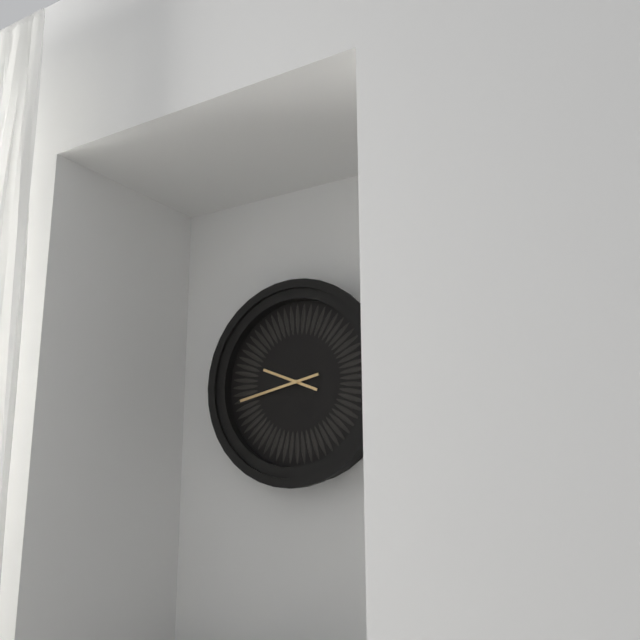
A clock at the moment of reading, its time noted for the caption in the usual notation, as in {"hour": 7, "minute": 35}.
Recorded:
{"hour": 9, "minute": 43}
